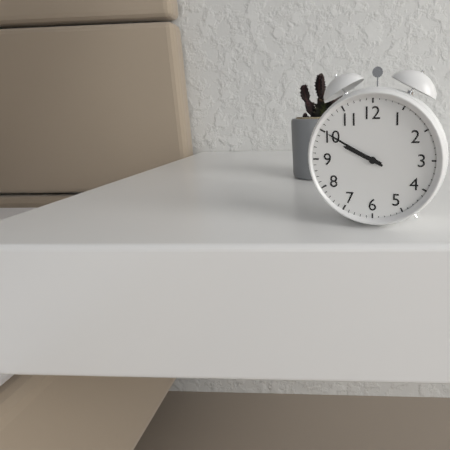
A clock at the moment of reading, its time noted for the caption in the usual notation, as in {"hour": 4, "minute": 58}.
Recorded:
{"hour": 9, "minute": 50}
